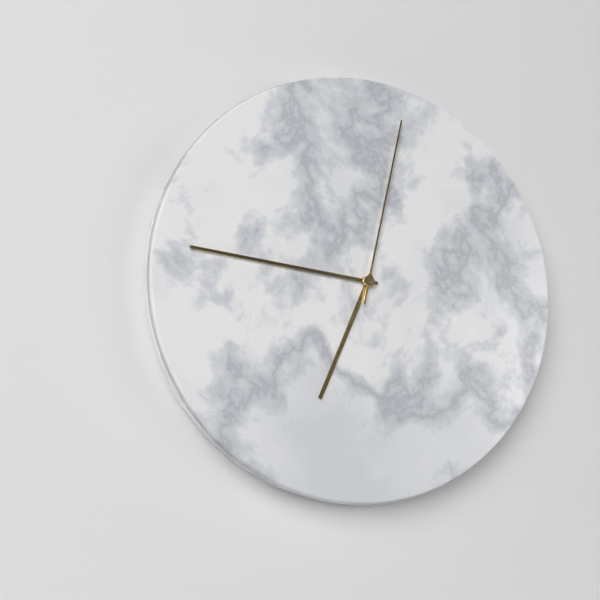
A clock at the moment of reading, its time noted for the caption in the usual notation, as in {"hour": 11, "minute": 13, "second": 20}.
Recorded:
{"hour": 6, "minute": 46, "second": 2}
